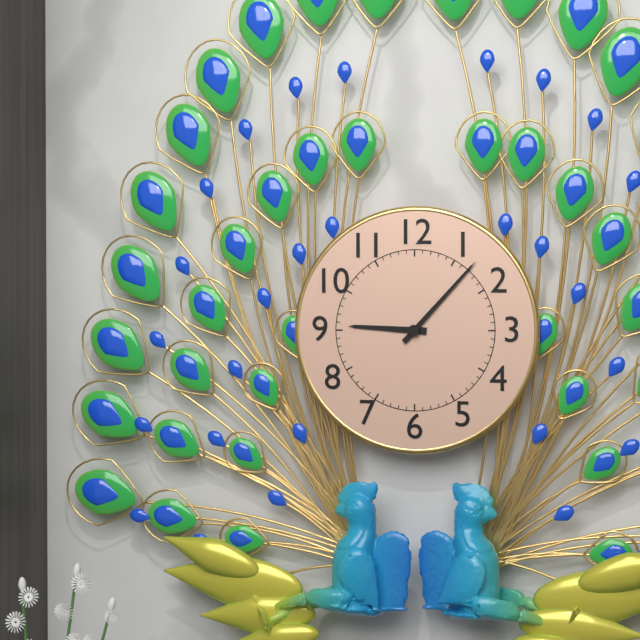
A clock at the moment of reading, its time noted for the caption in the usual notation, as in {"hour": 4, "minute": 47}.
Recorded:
{"hour": 9, "minute": 7}
